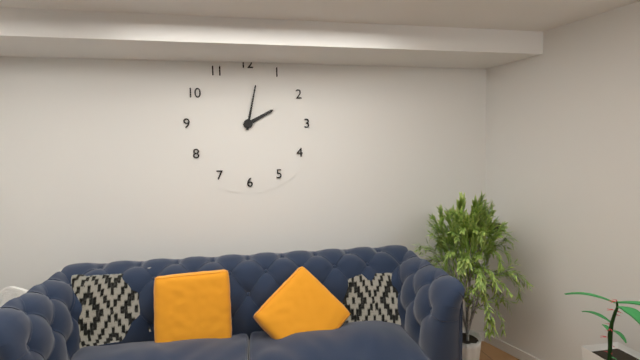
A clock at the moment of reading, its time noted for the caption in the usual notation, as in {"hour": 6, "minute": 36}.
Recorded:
{"hour": 2, "minute": 2}
